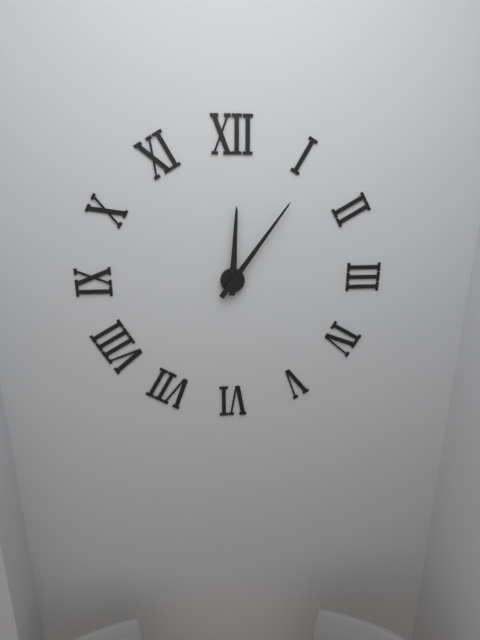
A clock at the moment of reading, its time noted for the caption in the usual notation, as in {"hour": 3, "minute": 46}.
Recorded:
{"hour": 12, "minute": 6}
